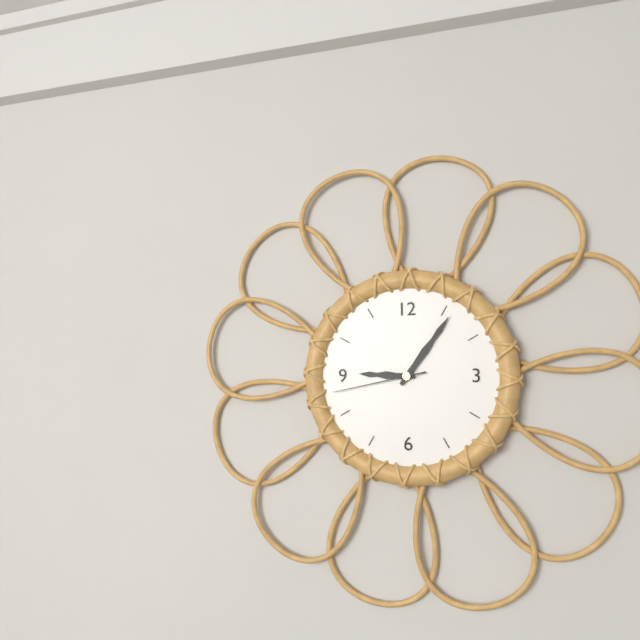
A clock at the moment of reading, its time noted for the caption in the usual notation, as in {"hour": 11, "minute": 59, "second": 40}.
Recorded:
{"hour": 9, "minute": 6, "second": 43}
